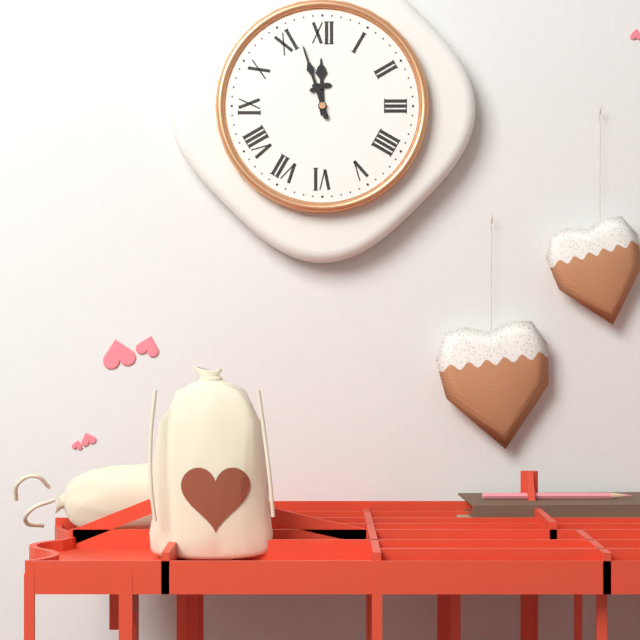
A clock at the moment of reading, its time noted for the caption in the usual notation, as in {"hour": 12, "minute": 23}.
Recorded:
{"hour": 11, "minute": 57}
